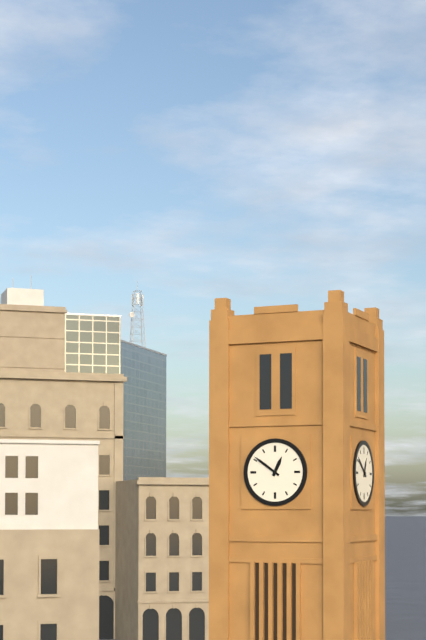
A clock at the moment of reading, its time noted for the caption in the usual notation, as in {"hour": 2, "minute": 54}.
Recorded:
{"hour": 12, "minute": 51}
